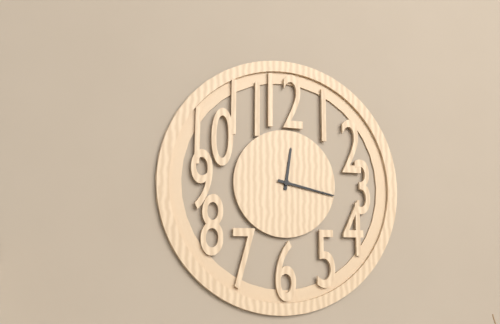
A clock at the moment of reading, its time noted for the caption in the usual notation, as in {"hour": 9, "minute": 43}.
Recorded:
{"hour": 12, "minute": 17}
